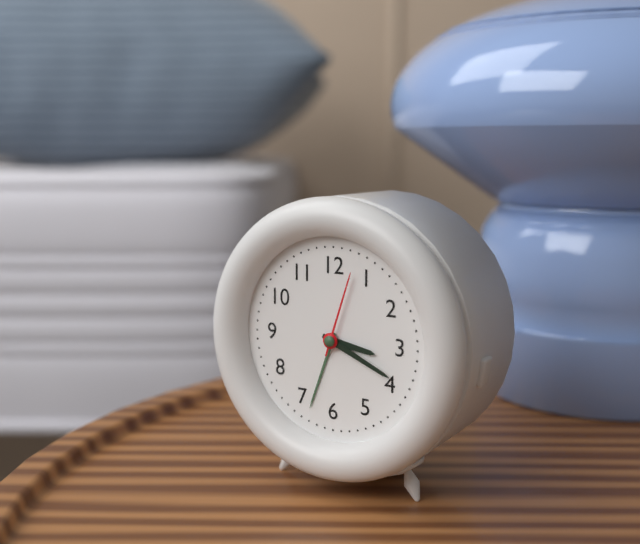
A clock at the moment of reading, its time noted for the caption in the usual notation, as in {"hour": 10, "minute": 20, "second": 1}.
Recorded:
{"hour": 3, "minute": 19, "second": 3}
